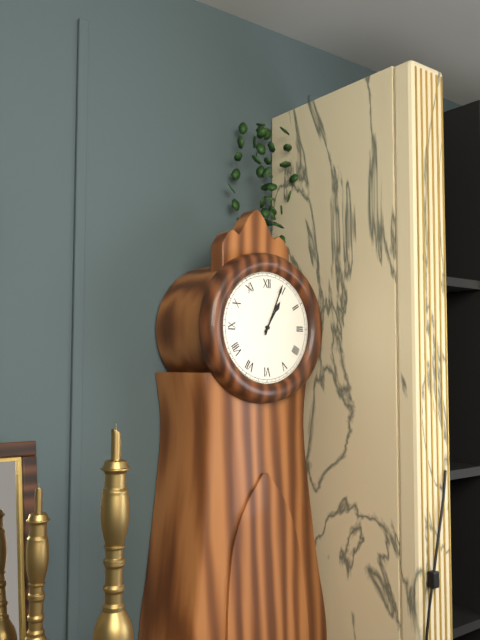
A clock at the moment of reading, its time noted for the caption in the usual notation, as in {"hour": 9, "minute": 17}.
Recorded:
{"hour": 1, "minute": 4}
